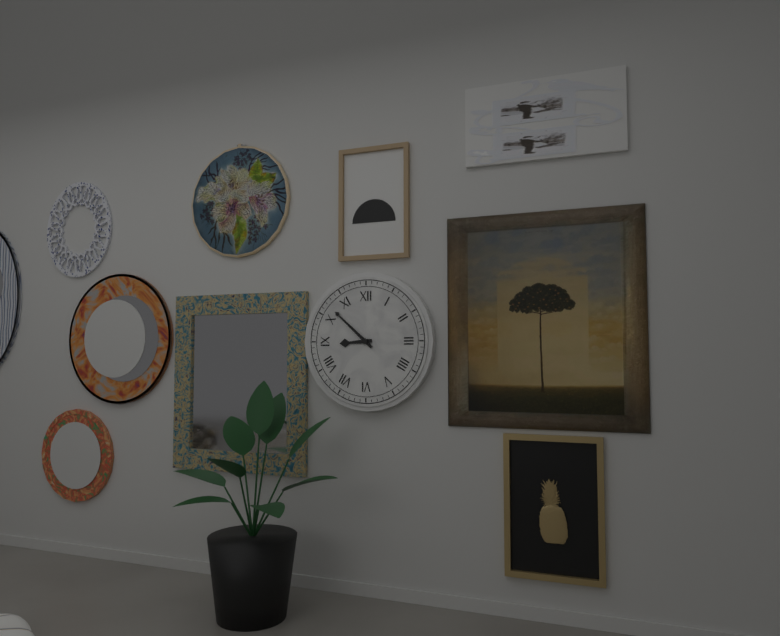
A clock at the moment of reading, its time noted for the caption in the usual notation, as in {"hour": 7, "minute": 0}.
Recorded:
{"hour": 8, "minute": 52}
